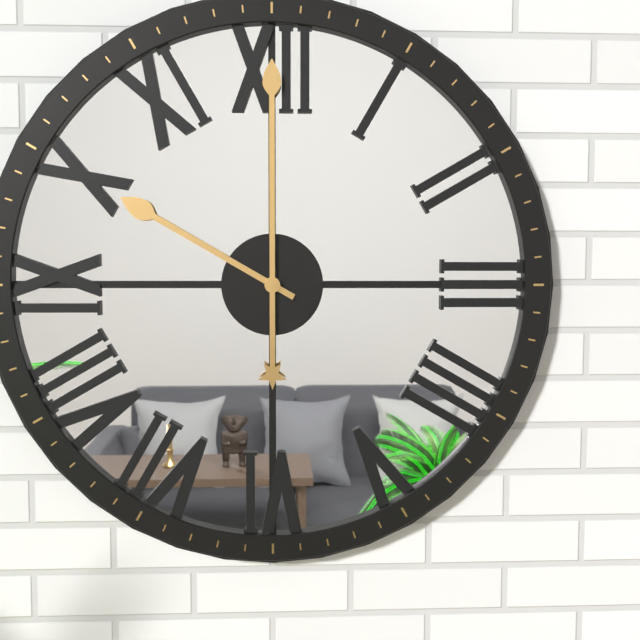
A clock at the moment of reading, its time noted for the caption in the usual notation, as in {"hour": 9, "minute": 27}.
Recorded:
{"hour": 10, "minute": 0}
